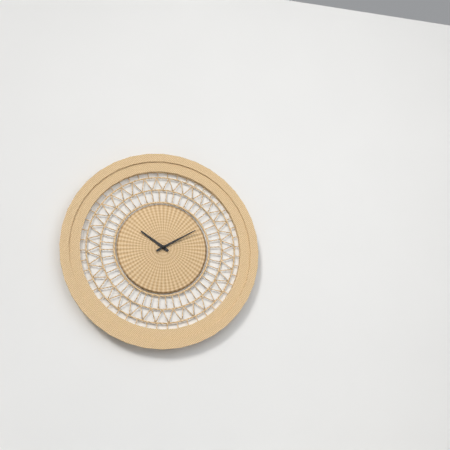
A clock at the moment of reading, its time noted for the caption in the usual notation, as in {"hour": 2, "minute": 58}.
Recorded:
{"hour": 10, "minute": 10}
